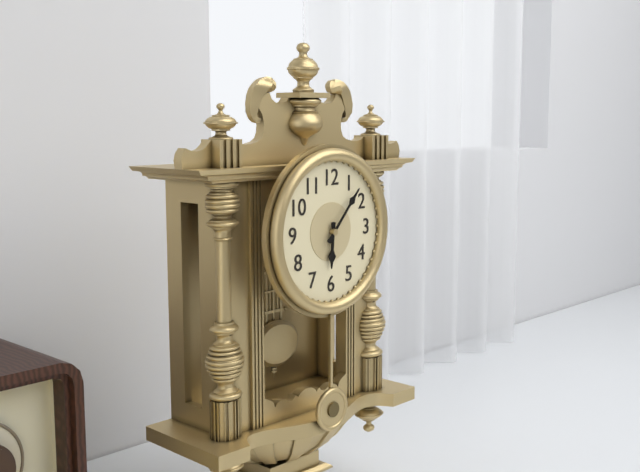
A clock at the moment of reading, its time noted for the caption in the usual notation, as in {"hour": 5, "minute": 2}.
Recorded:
{"hour": 6, "minute": 7}
